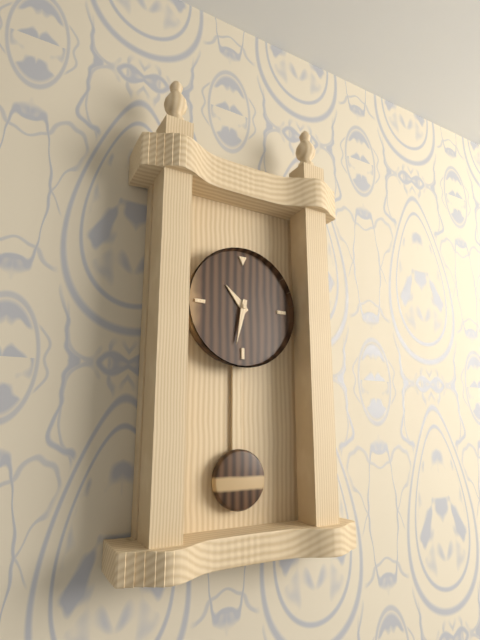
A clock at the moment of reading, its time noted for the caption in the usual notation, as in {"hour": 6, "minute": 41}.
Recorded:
{"hour": 10, "minute": 32}
